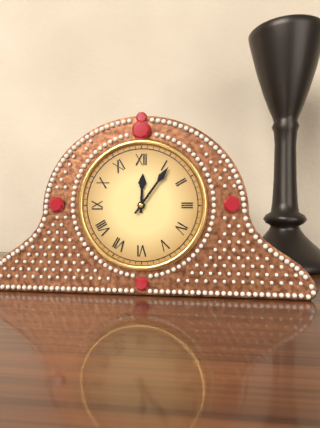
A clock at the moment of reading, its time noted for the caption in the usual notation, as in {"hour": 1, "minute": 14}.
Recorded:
{"hour": 12, "minute": 6}
